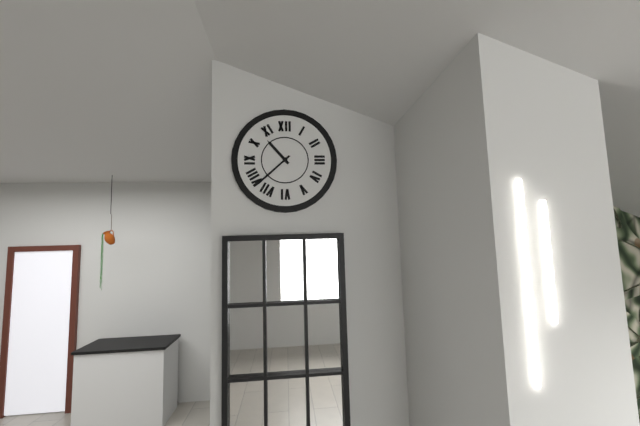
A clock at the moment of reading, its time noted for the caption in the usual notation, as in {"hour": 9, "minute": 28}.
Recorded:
{"hour": 10, "minute": 38}
